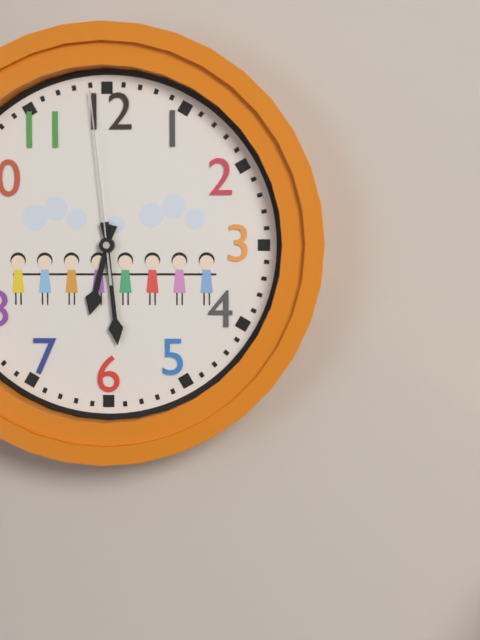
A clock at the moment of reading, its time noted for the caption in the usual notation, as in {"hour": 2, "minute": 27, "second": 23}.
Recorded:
{"hour": 6, "minute": 29, "second": 59}
